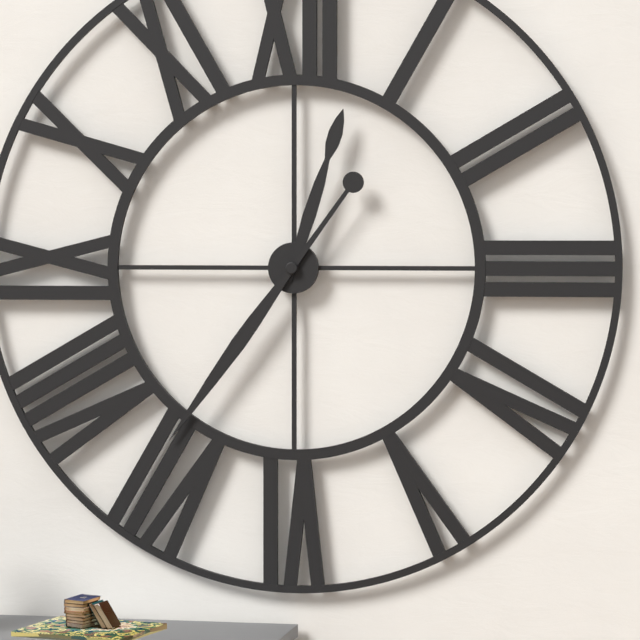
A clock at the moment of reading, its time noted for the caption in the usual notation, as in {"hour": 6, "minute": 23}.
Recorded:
{"hour": 12, "minute": 36}
